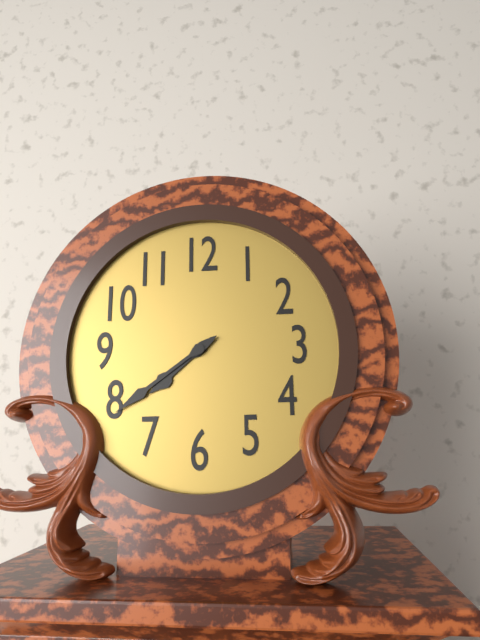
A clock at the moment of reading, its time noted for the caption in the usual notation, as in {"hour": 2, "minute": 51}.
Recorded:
{"hour": 7, "minute": 39}
